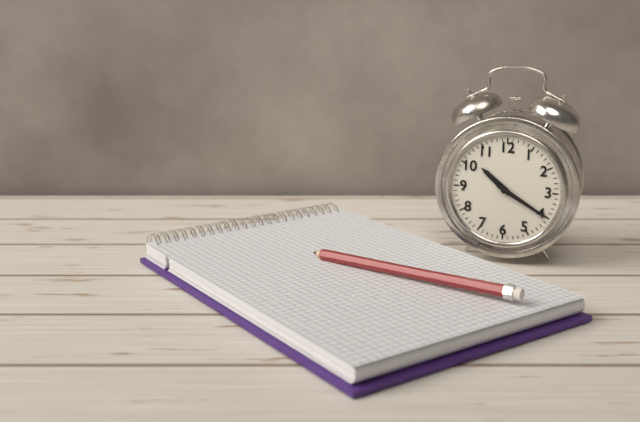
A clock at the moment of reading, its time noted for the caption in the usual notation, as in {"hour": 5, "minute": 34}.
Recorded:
{"hour": 10, "minute": 20}
